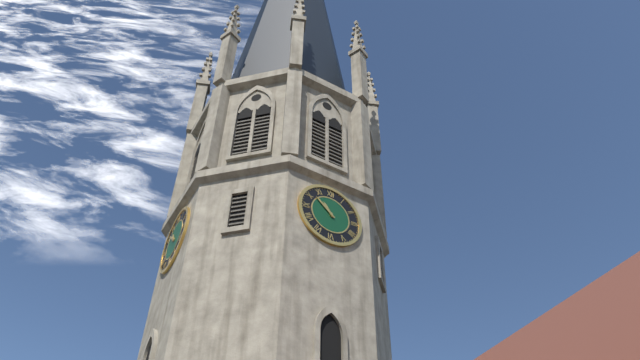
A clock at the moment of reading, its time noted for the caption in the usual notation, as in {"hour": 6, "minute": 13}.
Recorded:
{"hour": 10, "minute": 52}
